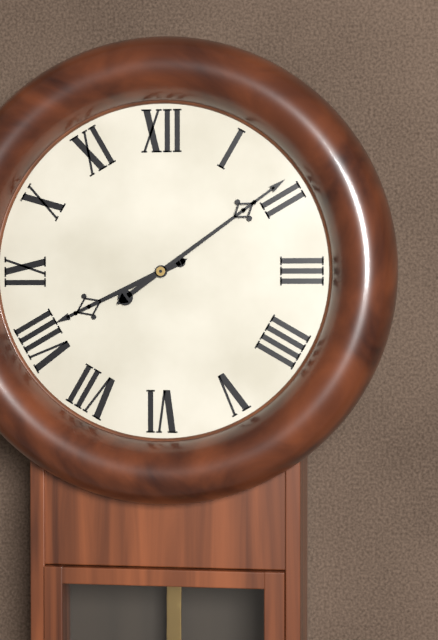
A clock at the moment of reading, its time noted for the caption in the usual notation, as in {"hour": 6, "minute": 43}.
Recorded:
{"hour": 8, "minute": 9}
